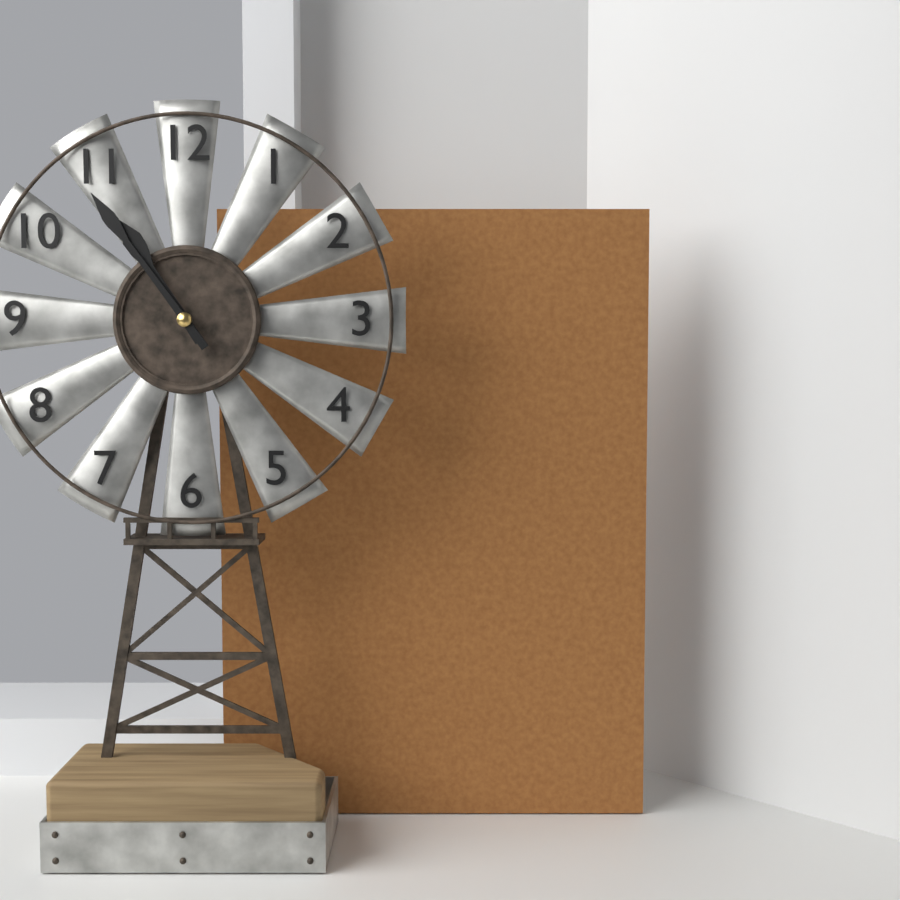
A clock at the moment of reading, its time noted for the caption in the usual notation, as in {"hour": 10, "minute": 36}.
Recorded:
{"hour": 10, "minute": 54}
